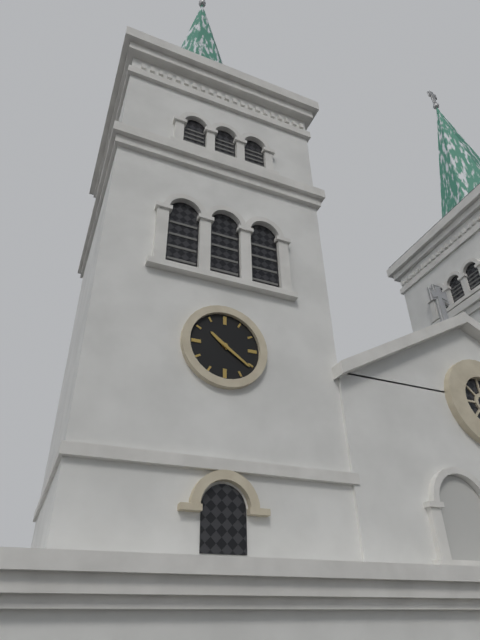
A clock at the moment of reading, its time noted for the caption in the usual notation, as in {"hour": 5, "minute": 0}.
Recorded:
{"hour": 10, "minute": 21}
